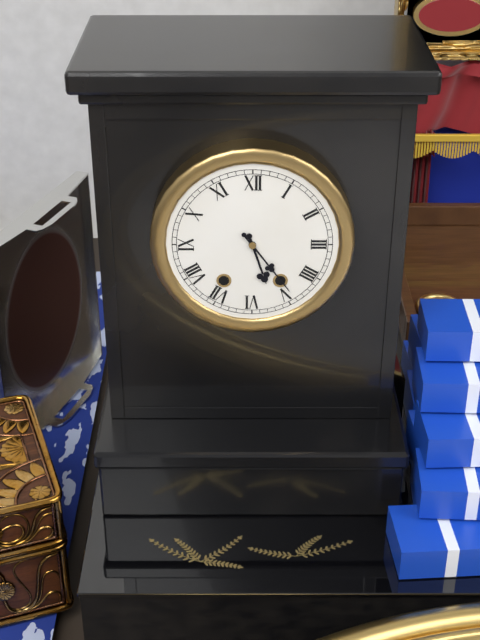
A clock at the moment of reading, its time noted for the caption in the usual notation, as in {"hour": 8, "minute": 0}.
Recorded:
{"hour": 5, "minute": 24}
